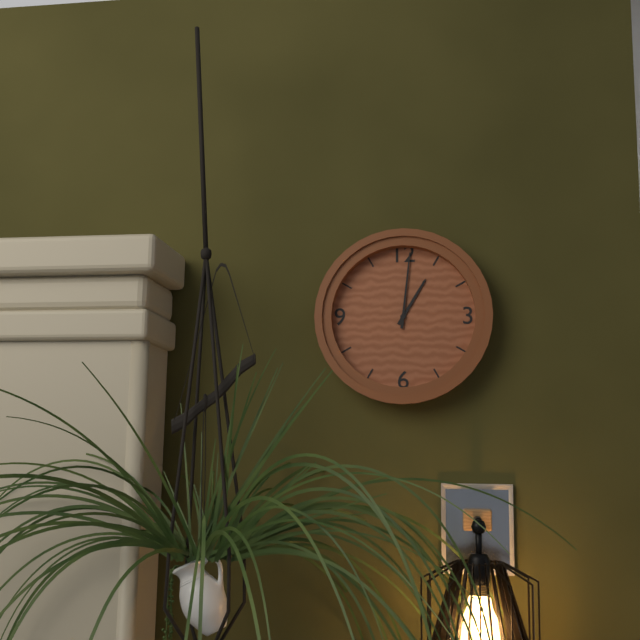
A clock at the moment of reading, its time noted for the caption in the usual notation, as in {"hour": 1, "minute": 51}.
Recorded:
{"hour": 1, "minute": 1}
